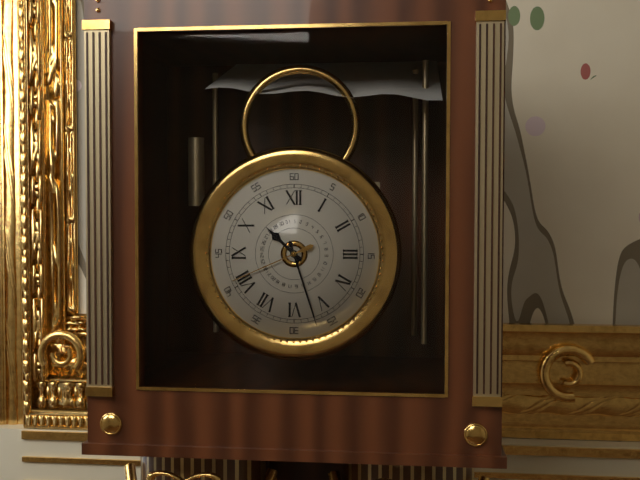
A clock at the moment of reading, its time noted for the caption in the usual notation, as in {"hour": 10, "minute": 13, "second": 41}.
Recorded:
{"hour": 10, "minute": 27, "second": 41}
